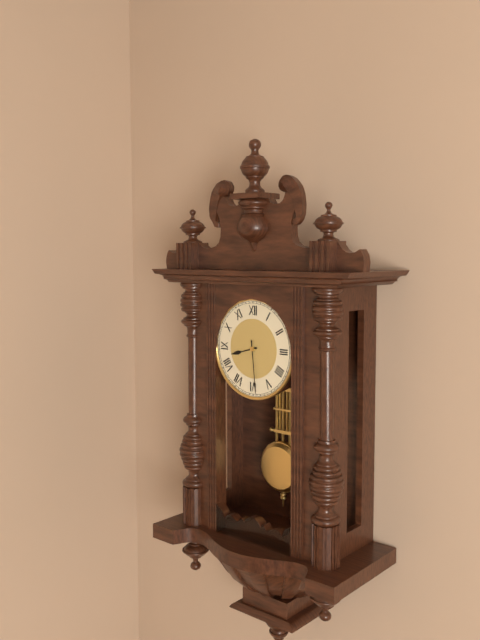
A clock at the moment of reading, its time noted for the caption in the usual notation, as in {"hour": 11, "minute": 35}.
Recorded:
{"hour": 8, "minute": 29}
